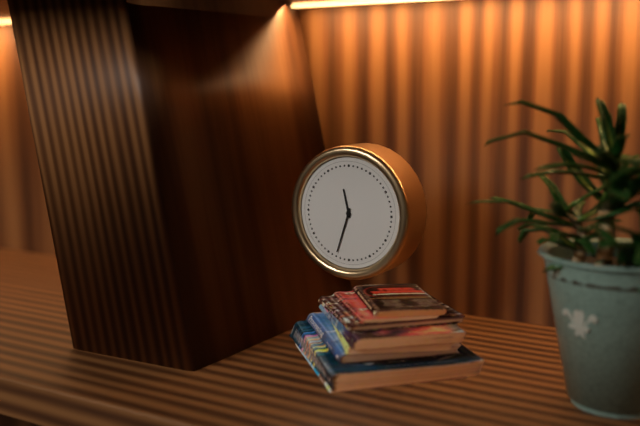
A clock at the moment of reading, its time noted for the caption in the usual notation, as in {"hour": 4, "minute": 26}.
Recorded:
{"hour": 11, "minute": 33}
